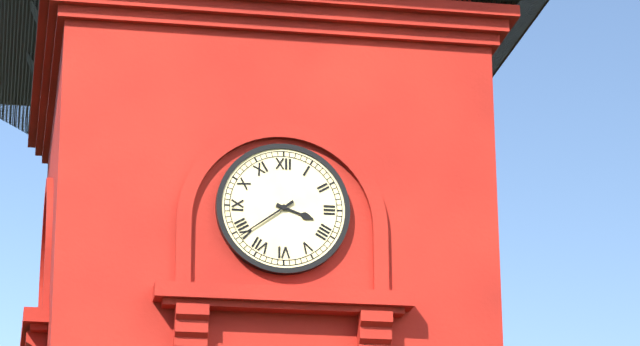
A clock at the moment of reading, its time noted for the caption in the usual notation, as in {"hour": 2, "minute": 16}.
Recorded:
{"hour": 3, "minute": 39}
